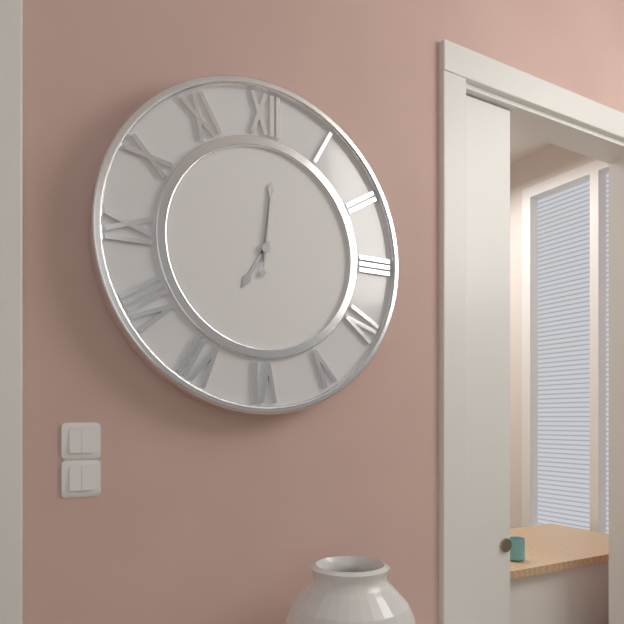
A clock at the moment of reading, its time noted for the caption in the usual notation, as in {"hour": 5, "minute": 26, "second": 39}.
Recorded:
{"hour": 7, "minute": 1, "second": 1}
